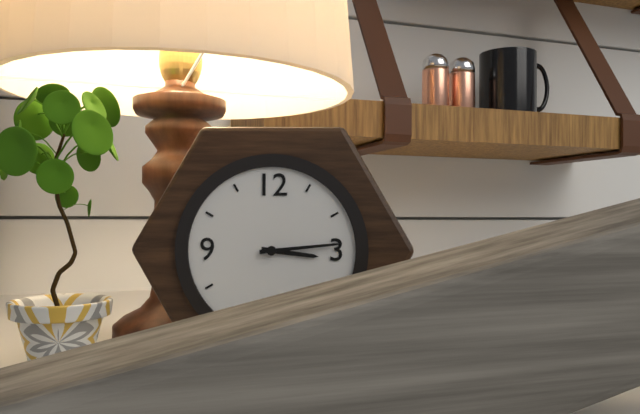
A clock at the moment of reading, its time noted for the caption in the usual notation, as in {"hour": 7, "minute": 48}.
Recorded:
{"hour": 3, "minute": 14}
